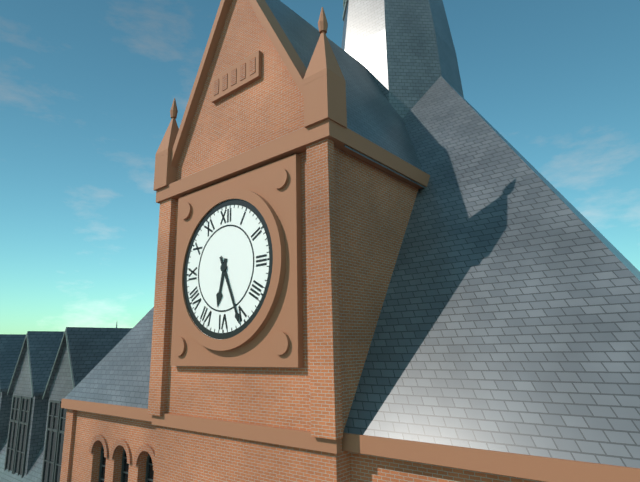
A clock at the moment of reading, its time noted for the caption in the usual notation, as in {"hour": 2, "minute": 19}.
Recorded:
{"hour": 6, "minute": 26}
